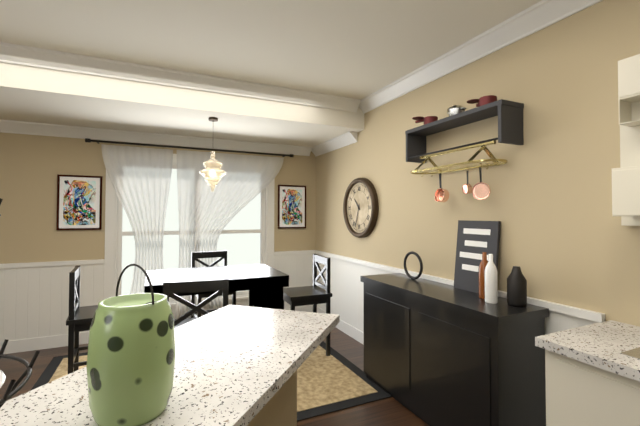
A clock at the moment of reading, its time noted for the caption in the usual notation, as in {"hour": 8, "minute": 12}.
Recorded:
{"hour": 10, "minute": 33}
